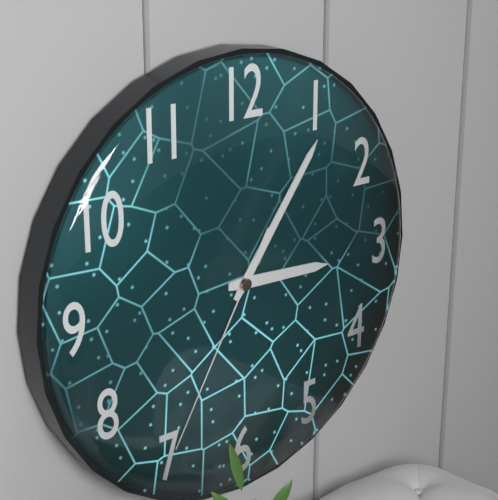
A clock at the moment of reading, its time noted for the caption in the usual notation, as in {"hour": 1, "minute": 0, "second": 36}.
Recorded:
{"hour": 3, "minute": 6, "second": 35}
